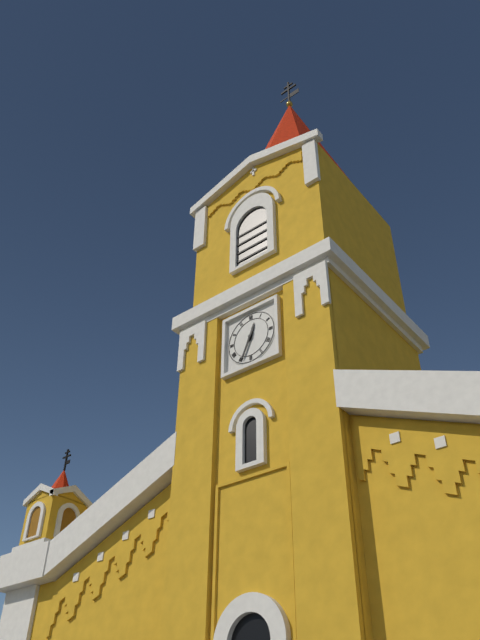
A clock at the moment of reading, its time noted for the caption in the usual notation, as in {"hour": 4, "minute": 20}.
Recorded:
{"hour": 12, "minute": 34}
